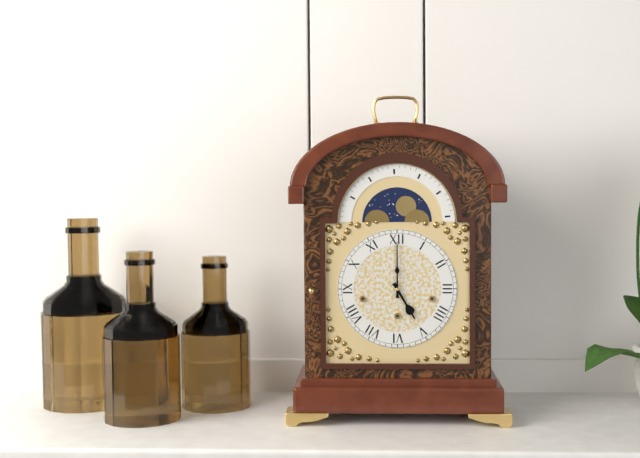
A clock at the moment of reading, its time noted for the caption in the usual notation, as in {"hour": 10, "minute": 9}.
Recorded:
{"hour": 5, "minute": 0}
